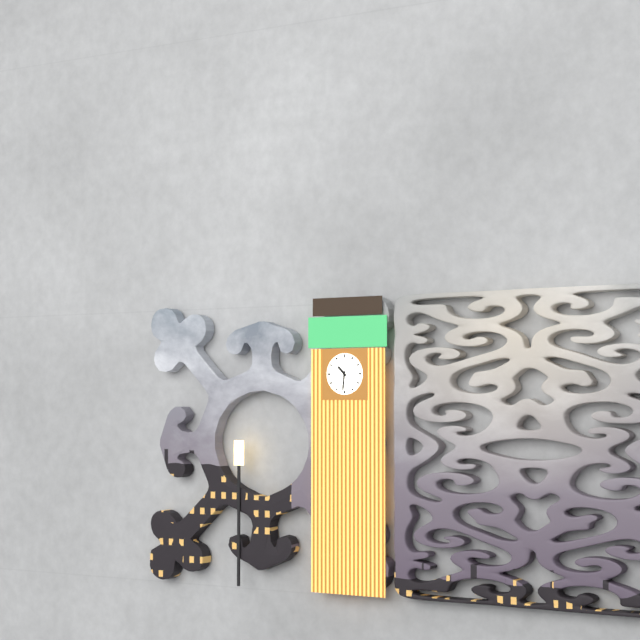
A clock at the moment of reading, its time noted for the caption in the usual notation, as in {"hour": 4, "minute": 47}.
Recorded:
{"hour": 10, "minute": 31}
